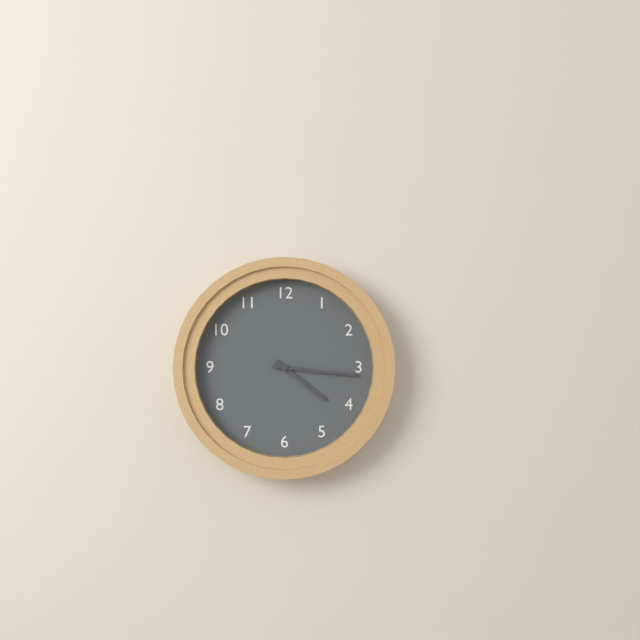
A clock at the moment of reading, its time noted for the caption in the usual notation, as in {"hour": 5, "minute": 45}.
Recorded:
{"hour": 4, "minute": 16}
